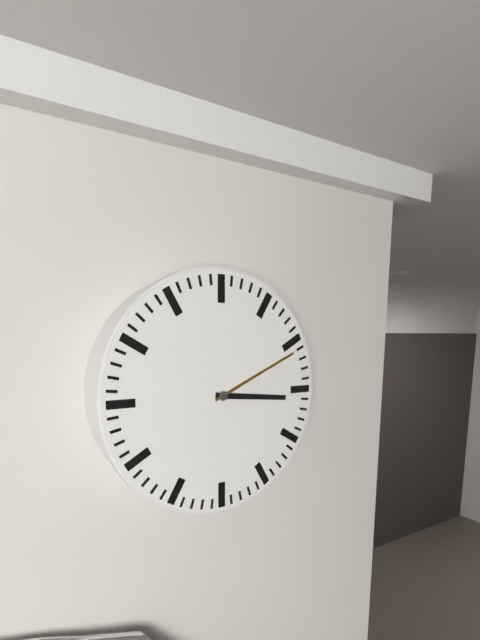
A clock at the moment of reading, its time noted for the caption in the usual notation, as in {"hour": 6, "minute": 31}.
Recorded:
{"hour": 3, "minute": 11}
